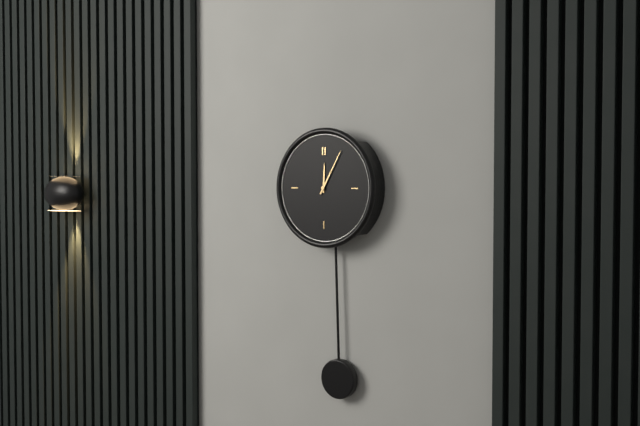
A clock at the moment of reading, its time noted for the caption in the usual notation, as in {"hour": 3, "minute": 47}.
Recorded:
{"hour": 12, "minute": 5}
